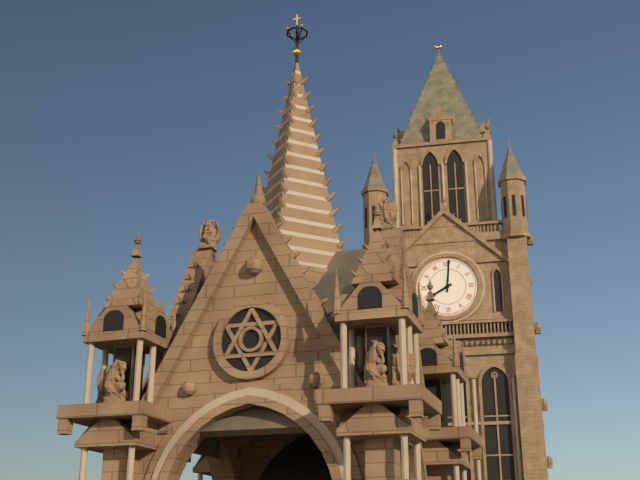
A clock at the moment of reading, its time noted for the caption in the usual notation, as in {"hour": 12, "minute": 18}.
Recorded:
{"hour": 8, "minute": 1}
